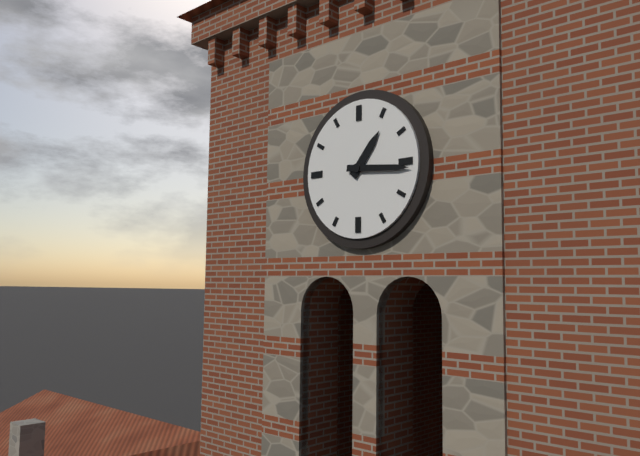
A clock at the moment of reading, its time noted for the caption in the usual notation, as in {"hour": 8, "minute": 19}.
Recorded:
{"hour": 1, "minute": 16}
